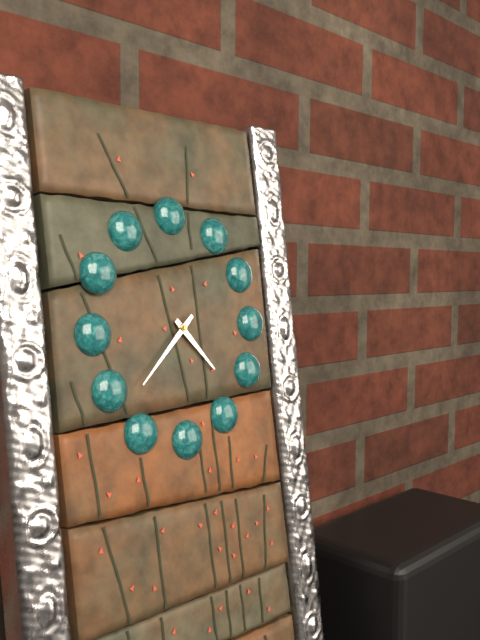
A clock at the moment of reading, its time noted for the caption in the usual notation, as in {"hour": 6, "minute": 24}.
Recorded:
{"hour": 4, "minute": 38}
